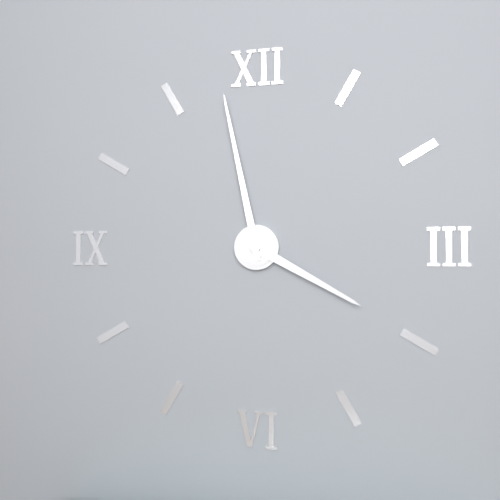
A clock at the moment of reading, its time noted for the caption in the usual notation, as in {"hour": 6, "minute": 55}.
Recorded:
{"hour": 3, "minute": 58}
